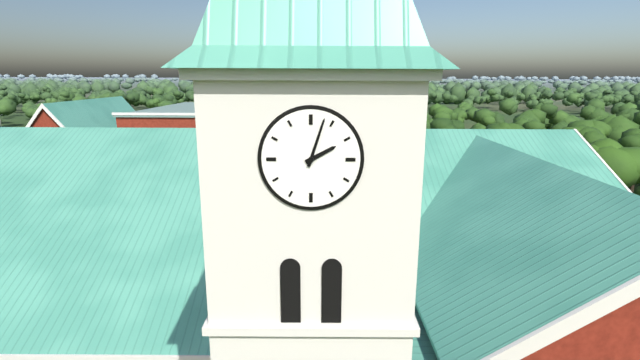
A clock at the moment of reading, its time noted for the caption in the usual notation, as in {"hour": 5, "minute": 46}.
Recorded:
{"hour": 2, "minute": 3}
